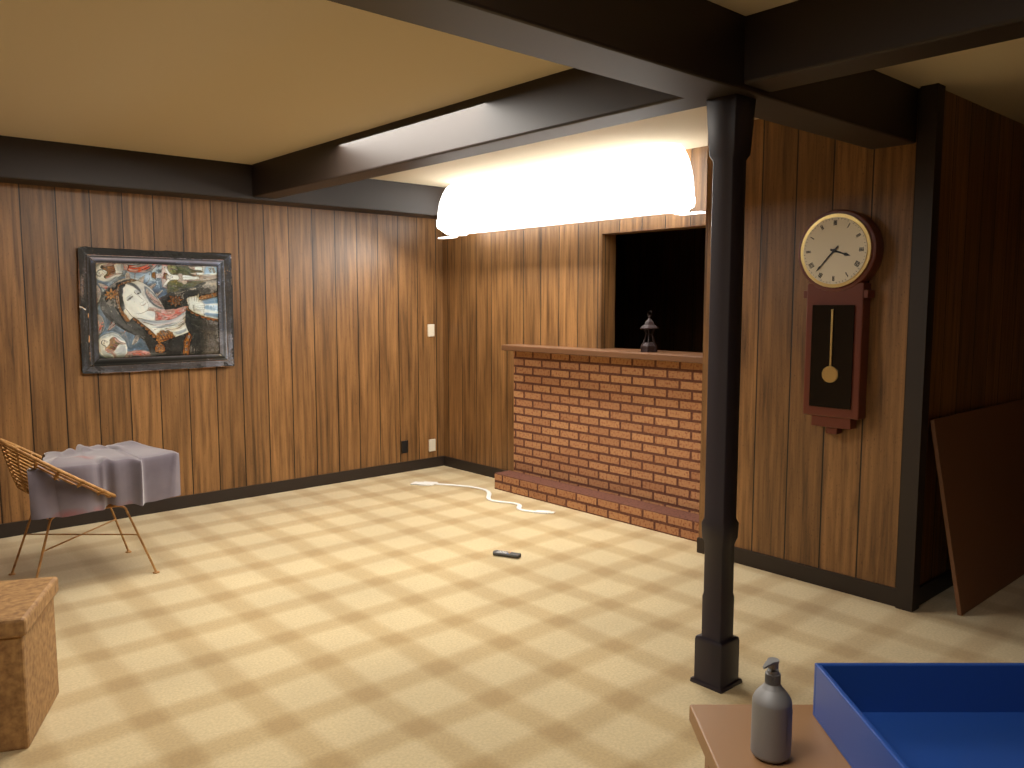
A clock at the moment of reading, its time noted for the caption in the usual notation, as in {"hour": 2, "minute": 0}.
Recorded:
{"hour": 3, "minute": 37}
